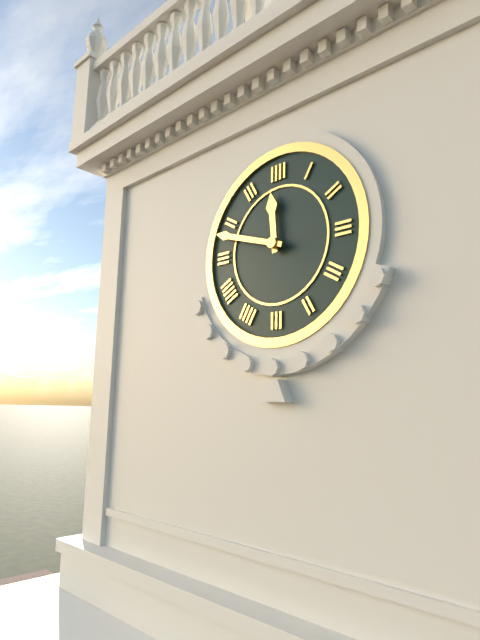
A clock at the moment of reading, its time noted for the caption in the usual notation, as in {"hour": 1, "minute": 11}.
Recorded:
{"hour": 11, "minute": 48}
